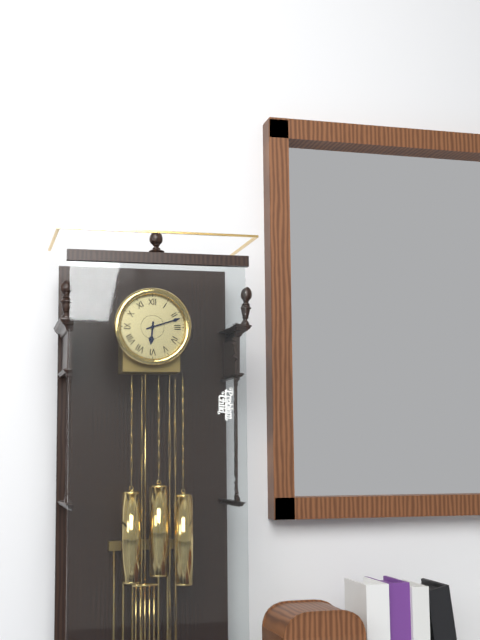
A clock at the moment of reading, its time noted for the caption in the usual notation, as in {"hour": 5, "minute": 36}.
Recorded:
{"hour": 6, "minute": 12}
